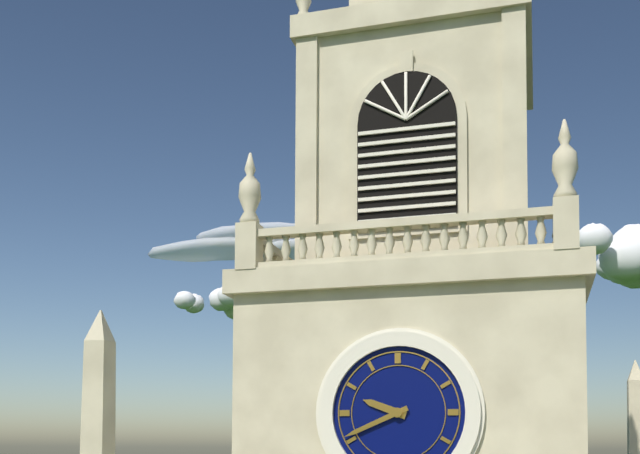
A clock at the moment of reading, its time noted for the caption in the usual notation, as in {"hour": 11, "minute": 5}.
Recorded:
{"hour": 9, "minute": 41}
